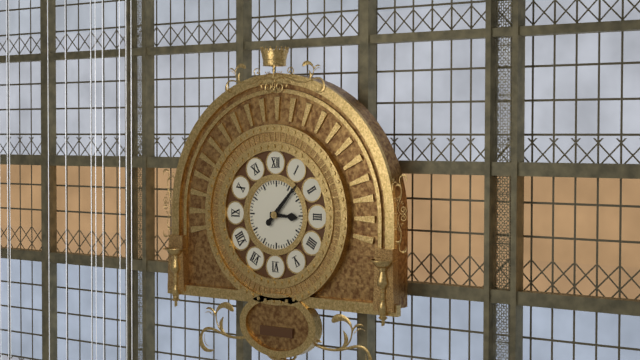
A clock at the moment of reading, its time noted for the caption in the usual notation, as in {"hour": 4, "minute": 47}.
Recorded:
{"hour": 3, "minute": 7}
